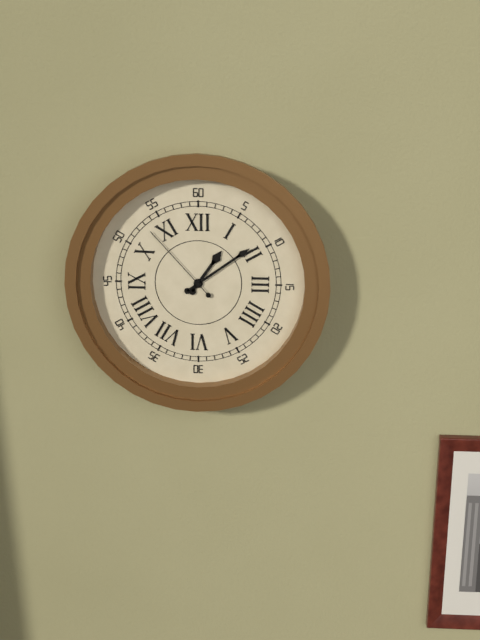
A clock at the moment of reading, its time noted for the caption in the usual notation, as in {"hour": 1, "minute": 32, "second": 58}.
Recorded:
{"hour": 1, "minute": 9, "second": 53}
